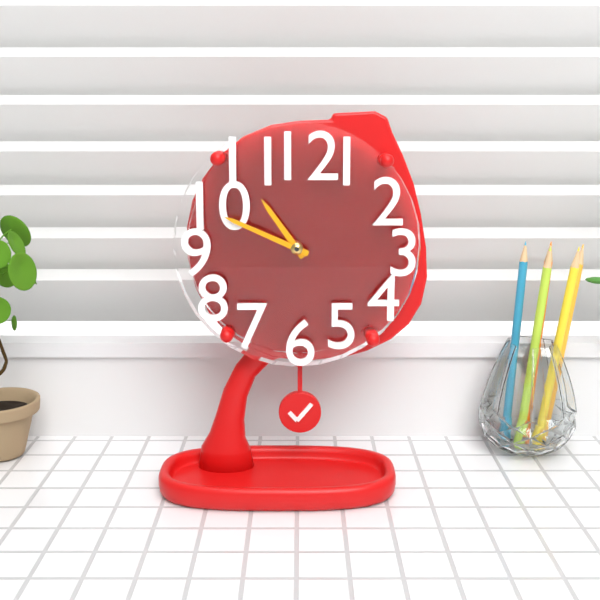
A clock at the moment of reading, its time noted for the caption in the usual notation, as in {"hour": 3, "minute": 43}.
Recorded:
{"hour": 10, "minute": 49}
